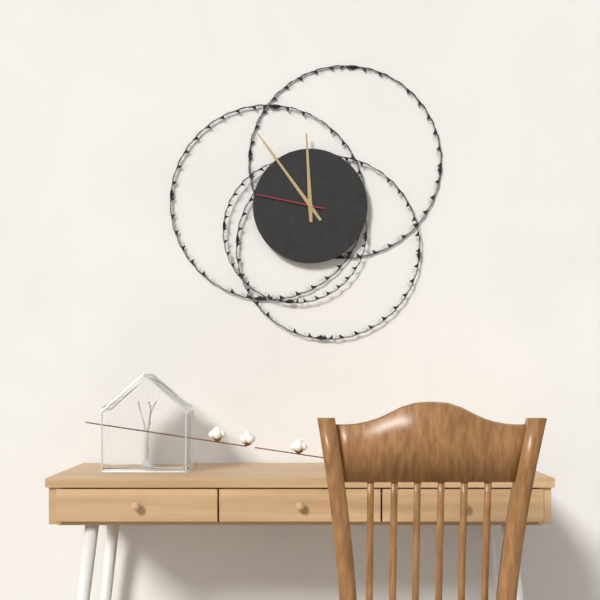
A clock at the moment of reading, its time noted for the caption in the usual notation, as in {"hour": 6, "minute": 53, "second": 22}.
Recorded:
{"hour": 11, "minute": 54, "second": 47}
